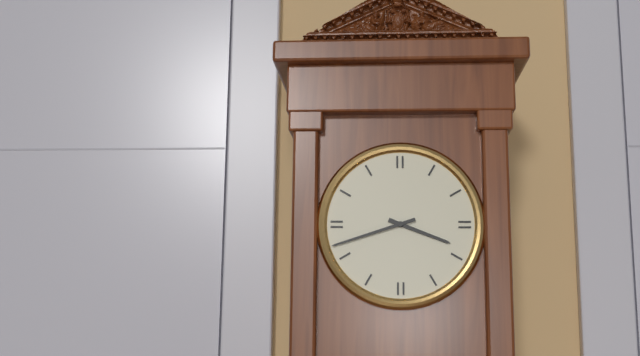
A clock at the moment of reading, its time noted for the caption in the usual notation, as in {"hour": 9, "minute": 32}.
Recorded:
{"hour": 3, "minute": 42}
